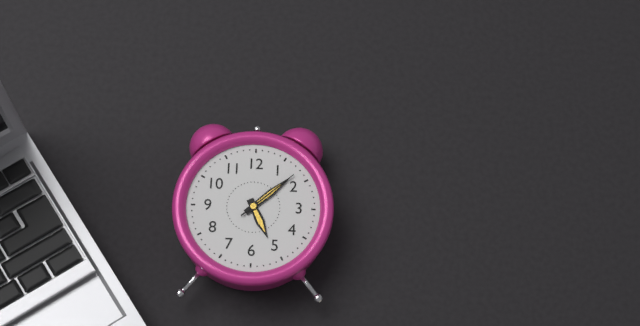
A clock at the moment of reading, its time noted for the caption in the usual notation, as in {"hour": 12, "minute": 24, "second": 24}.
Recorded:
{"hour": 5, "minute": 8, "second": 8}
